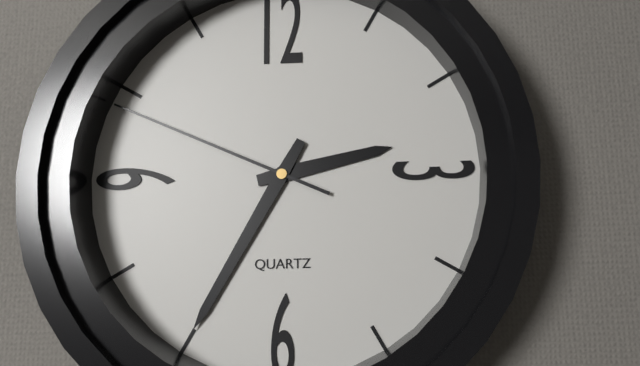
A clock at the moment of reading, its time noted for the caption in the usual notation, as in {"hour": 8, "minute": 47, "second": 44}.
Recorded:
{"hour": 2, "minute": 35, "second": 49}
